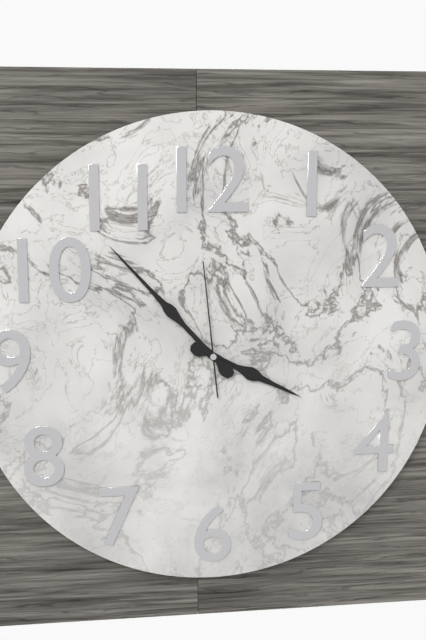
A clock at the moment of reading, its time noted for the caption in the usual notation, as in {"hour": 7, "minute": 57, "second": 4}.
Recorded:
{"hour": 3, "minute": 53, "second": 59}
